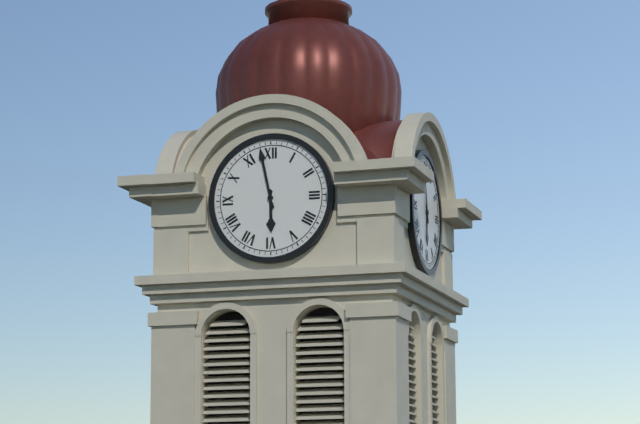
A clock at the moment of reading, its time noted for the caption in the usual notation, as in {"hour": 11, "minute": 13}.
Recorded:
{"hour": 5, "minute": 58}
